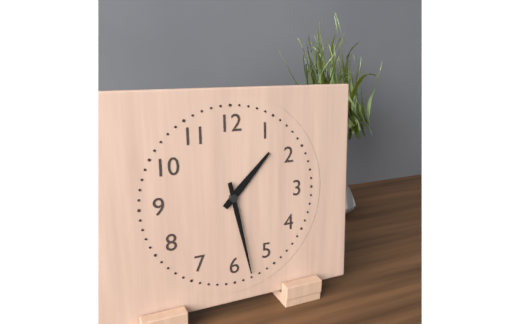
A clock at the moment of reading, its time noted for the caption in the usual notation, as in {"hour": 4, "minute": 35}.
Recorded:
{"hour": 1, "minute": 28}
